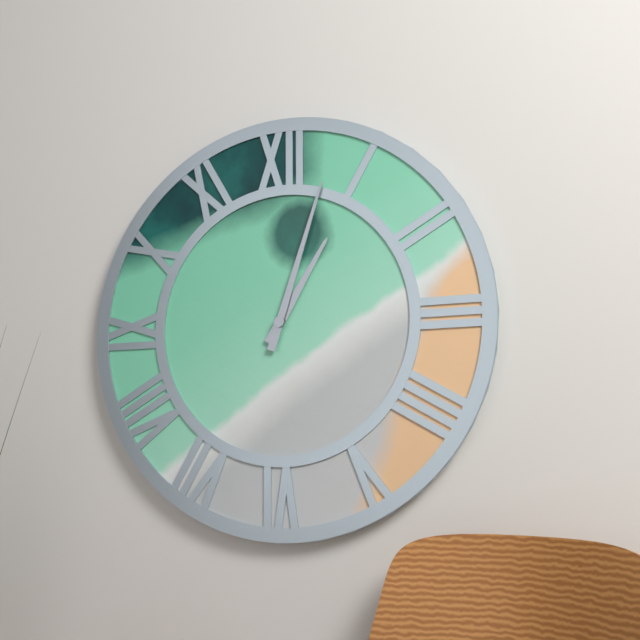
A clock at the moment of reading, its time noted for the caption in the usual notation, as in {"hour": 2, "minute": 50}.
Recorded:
{"hour": 1, "minute": 3}
